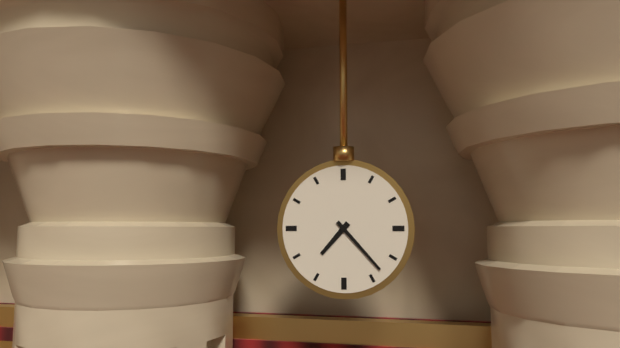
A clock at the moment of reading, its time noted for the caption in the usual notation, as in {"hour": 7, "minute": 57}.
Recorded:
{"hour": 7, "minute": 23}
